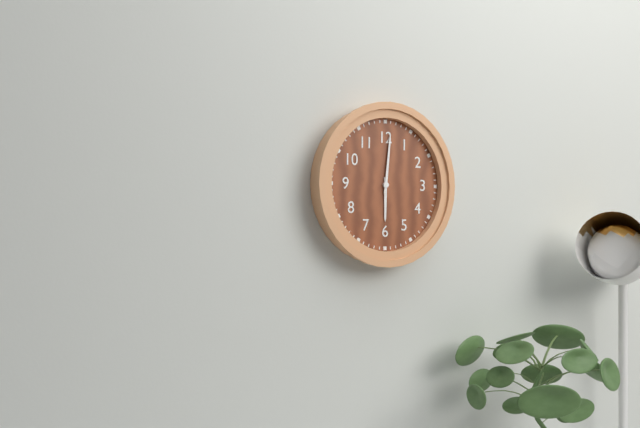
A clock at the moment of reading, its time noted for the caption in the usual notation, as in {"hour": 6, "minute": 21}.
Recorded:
{"hour": 6, "minute": 1}
